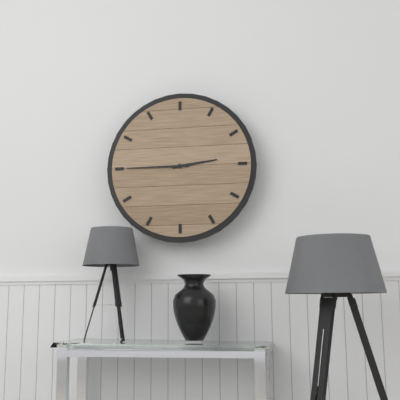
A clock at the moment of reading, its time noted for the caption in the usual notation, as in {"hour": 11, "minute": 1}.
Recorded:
{"hour": 2, "minute": 45}
